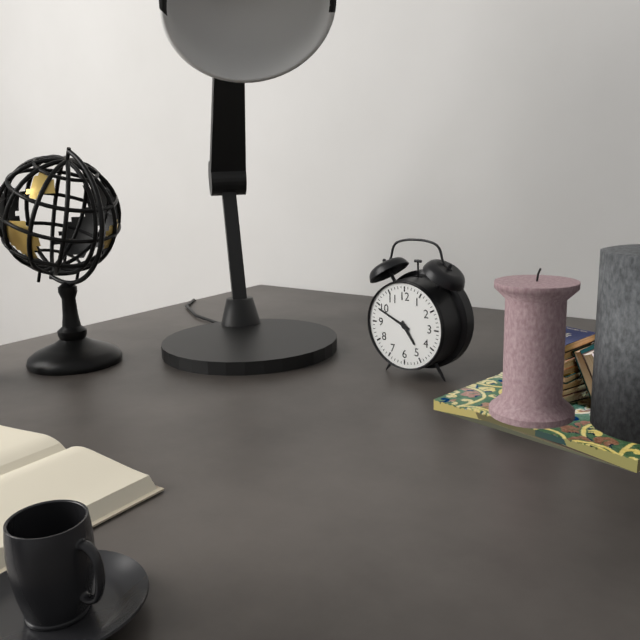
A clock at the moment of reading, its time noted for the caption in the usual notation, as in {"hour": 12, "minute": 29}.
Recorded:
{"hour": 4, "minute": 49}
